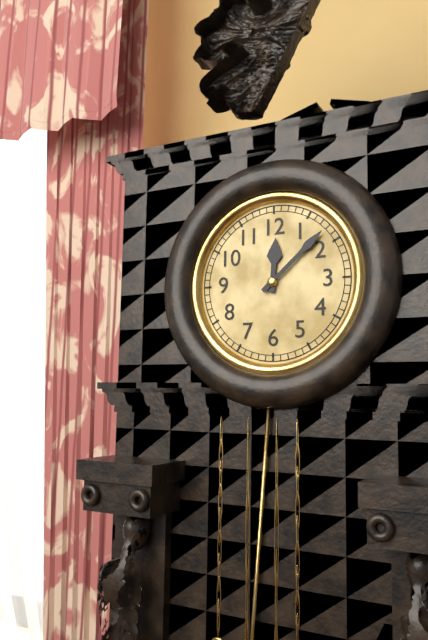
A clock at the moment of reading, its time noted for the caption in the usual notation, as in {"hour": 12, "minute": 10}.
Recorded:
{"hour": 12, "minute": 8}
